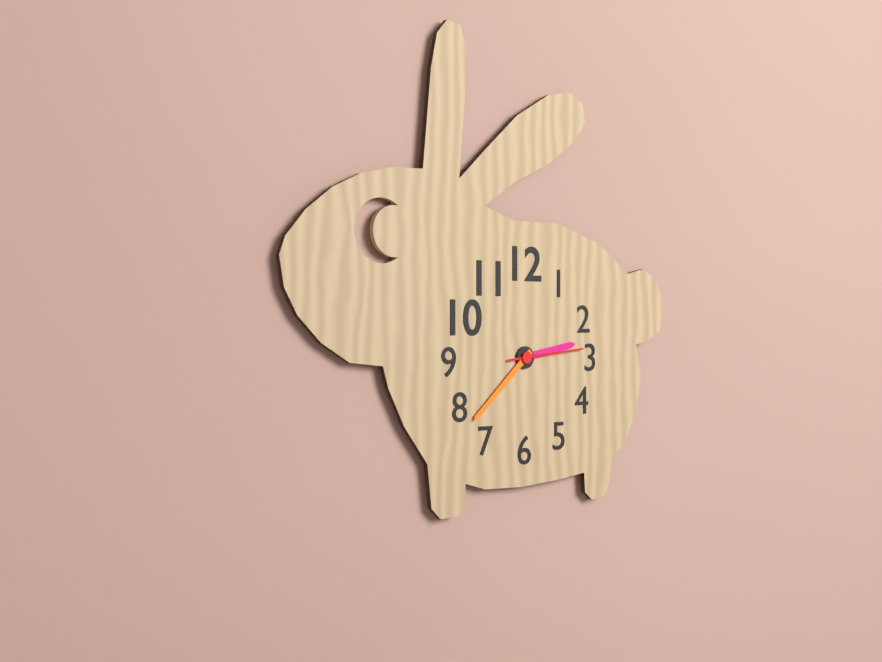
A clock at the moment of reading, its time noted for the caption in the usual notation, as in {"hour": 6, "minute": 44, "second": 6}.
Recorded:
{"hour": 2, "minute": 38, "second": 14}
